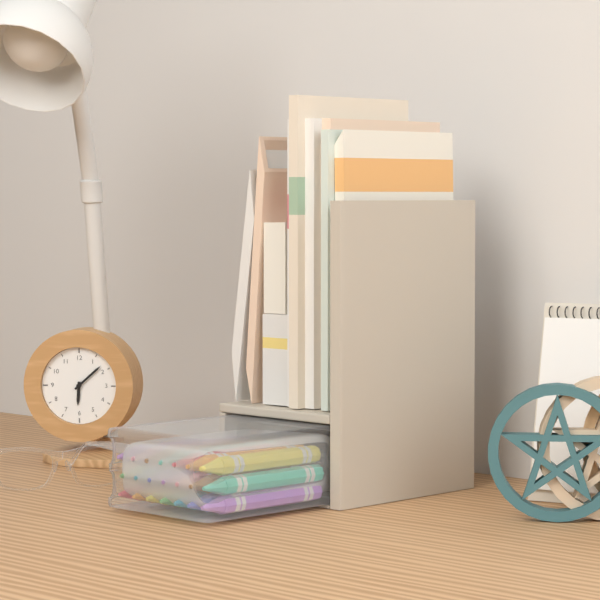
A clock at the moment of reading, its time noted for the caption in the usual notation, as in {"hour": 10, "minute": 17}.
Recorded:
{"hour": 6, "minute": 8}
